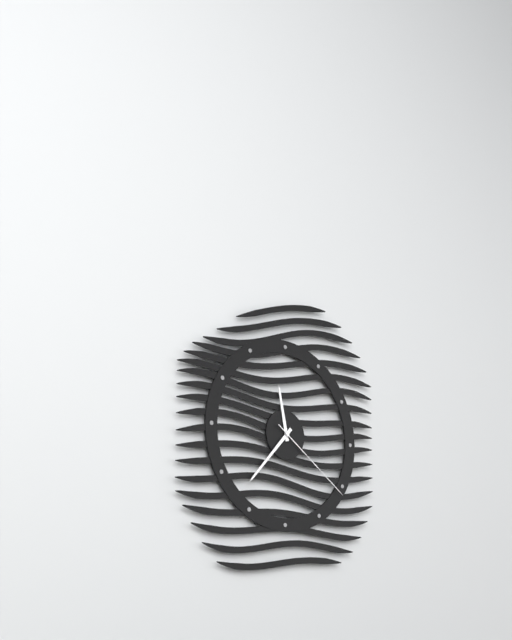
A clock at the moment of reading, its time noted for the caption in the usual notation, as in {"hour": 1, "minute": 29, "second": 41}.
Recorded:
{"hour": 11, "minute": 37, "second": 21}
